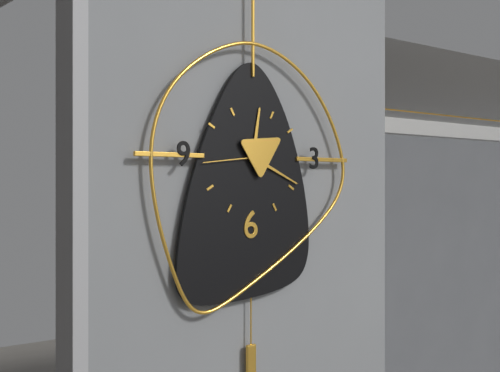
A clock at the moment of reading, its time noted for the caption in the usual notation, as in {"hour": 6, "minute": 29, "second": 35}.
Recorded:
{"hour": 12, "minute": 19, "second": 44}
